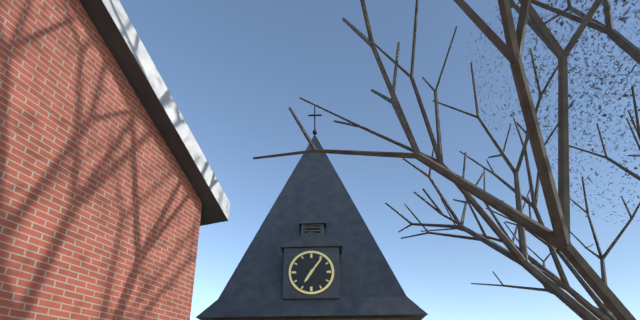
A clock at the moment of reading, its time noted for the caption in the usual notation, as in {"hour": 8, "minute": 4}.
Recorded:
{"hour": 7, "minute": 6}
